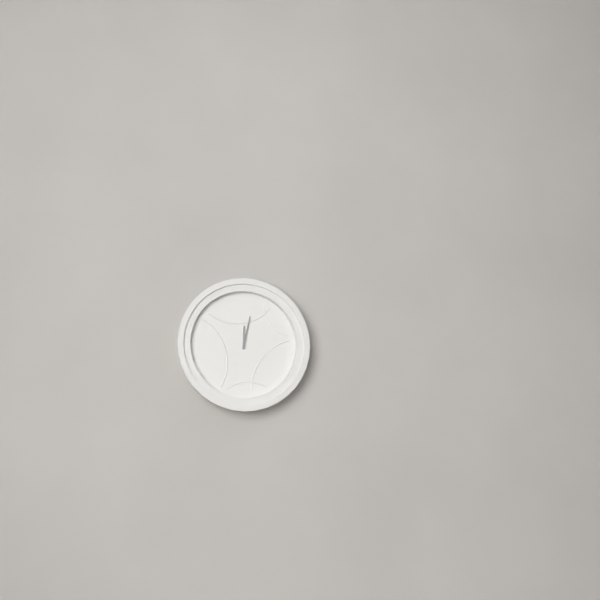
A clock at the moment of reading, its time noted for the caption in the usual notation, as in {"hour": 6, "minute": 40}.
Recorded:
{"hour": 12, "minute": 2}
